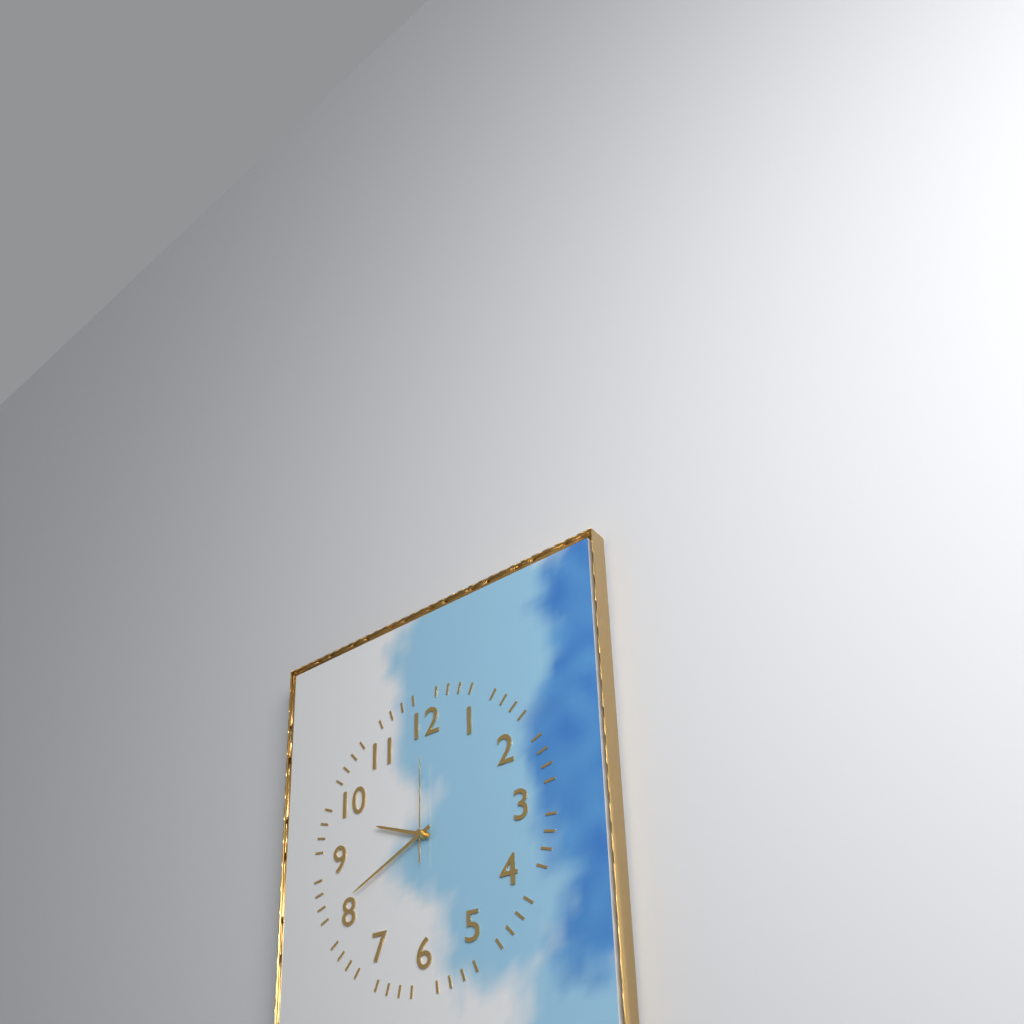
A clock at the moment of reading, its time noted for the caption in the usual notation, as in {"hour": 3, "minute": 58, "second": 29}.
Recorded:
{"hour": 9, "minute": 41, "second": 0}
